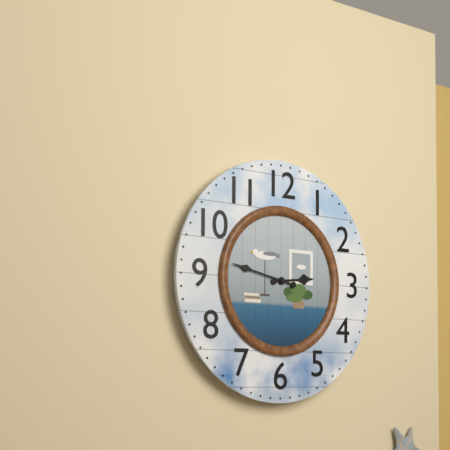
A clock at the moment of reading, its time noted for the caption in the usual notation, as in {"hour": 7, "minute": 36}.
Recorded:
{"hour": 2, "minute": 47}
